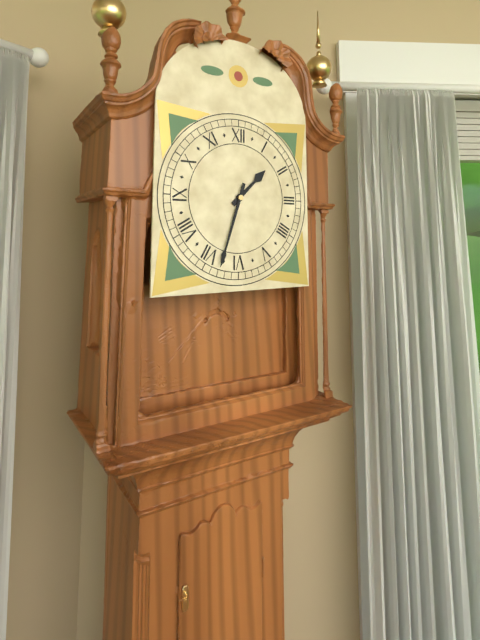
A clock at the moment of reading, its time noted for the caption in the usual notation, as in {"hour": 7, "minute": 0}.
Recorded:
{"hour": 1, "minute": 33}
